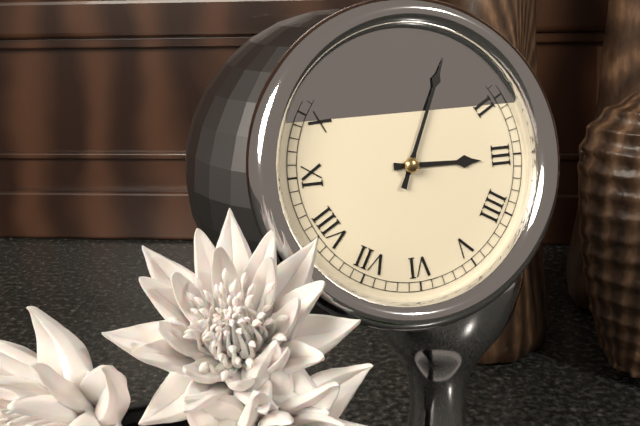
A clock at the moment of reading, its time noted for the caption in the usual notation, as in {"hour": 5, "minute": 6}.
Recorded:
{"hour": 3, "minute": 4}
